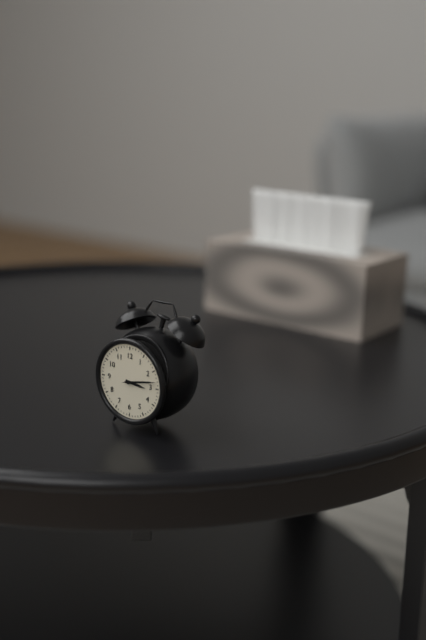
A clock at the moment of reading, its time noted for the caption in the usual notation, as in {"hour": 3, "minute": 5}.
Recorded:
{"hour": 3, "minute": 13}
